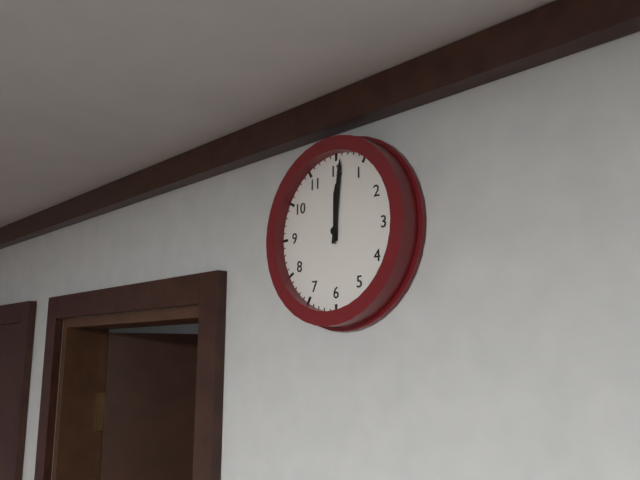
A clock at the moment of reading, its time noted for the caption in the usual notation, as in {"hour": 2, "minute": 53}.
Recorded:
{"hour": 12, "minute": 1}
